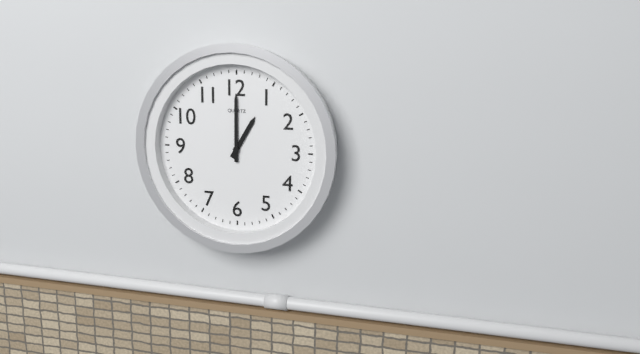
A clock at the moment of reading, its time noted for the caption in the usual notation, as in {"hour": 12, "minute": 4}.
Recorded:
{"hour": 1, "minute": 0}
